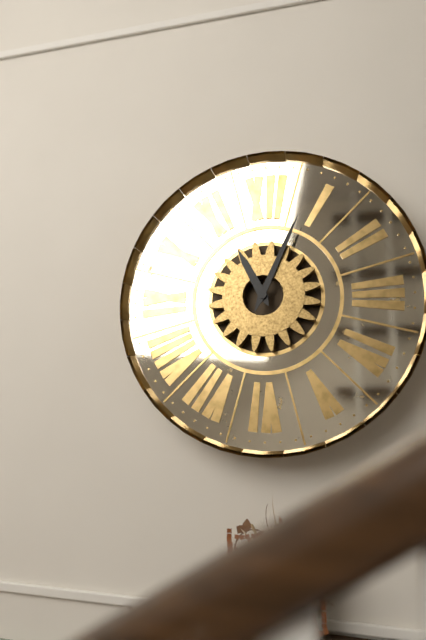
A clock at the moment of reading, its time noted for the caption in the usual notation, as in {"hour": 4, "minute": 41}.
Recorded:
{"hour": 11, "minute": 4}
